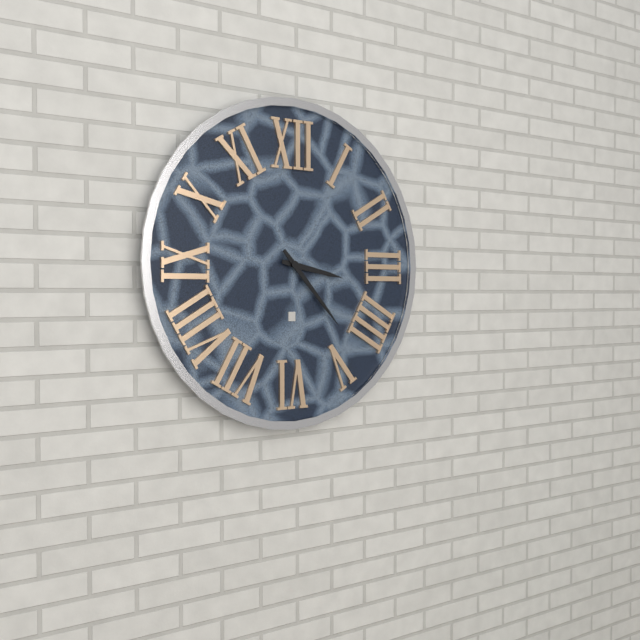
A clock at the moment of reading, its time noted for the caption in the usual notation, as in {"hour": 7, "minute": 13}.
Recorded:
{"hour": 3, "minute": 23}
